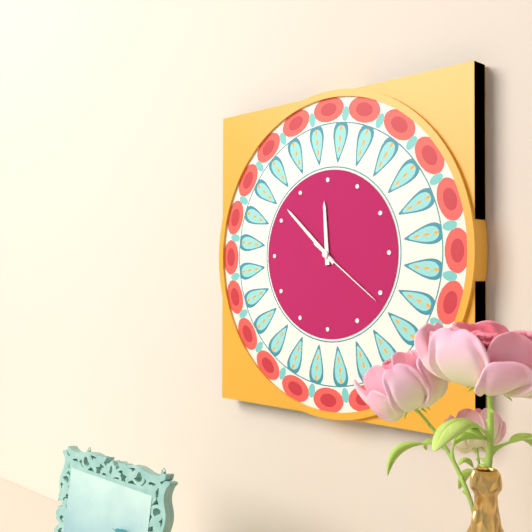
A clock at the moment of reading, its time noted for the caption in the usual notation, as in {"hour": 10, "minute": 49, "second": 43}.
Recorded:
{"hour": 11, "minute": 52, "second": 21}
